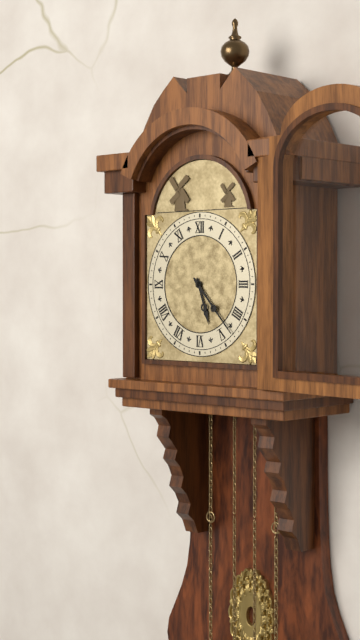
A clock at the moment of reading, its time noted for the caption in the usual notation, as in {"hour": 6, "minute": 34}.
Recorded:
{"hour": 5, "minute": 23}
